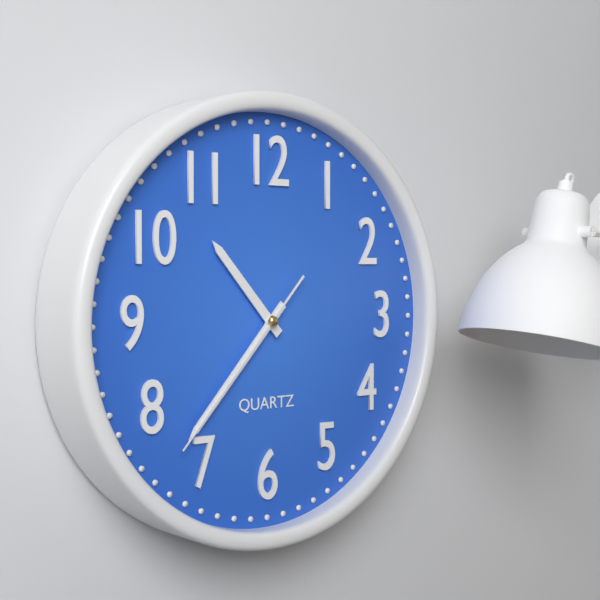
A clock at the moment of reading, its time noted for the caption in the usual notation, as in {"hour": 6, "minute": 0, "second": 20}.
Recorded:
{"hour": 10, "minute": 37, "second": 37}
